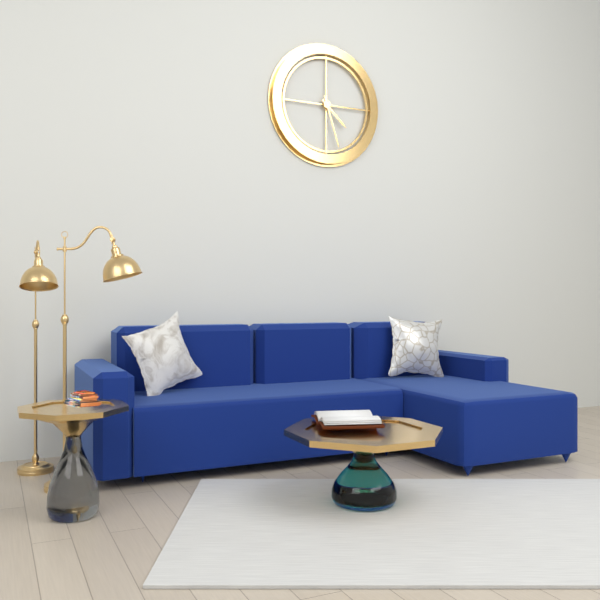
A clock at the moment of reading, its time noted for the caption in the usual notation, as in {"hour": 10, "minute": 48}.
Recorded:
{"hour": 4, "minute": 27}
